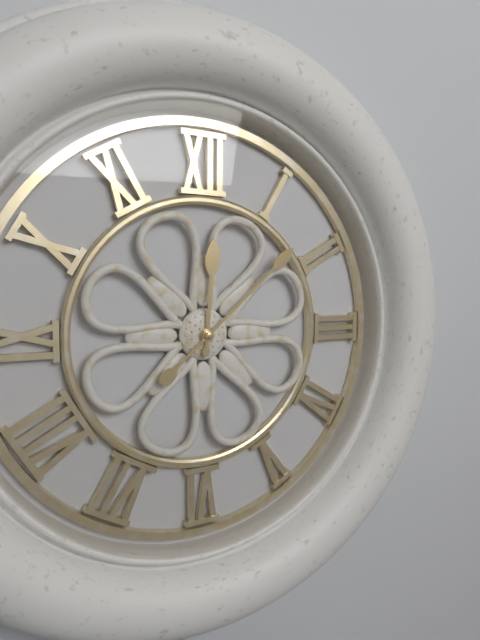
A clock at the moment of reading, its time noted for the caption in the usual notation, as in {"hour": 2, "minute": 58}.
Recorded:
{"hour": 12, "minute": 8}
